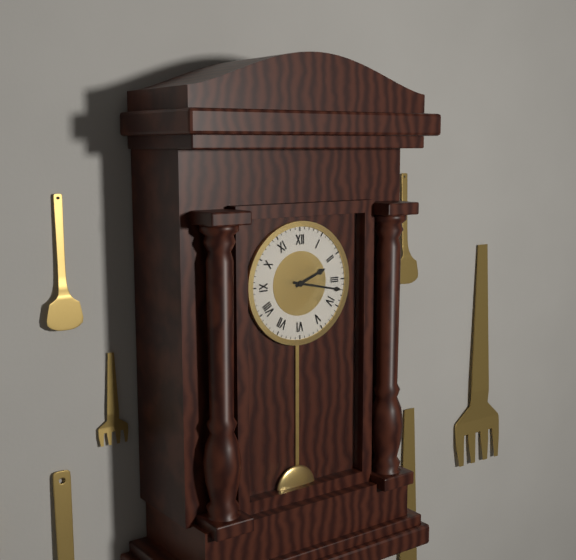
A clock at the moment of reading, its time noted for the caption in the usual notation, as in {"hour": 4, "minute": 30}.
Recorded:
{"hour": 2, "minute": 17}
